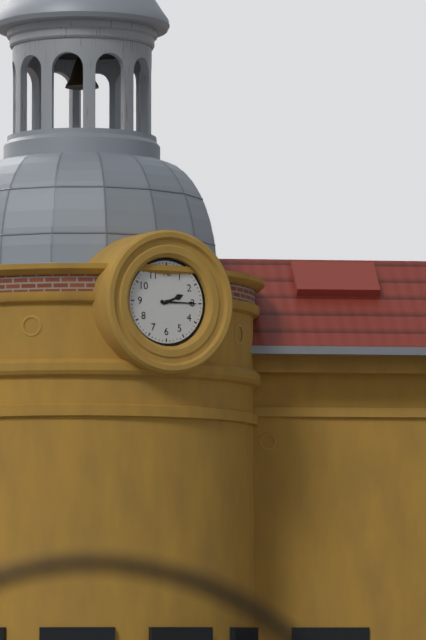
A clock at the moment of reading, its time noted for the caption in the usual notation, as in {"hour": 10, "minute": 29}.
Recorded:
{"hour": 2, "minute": 15}
